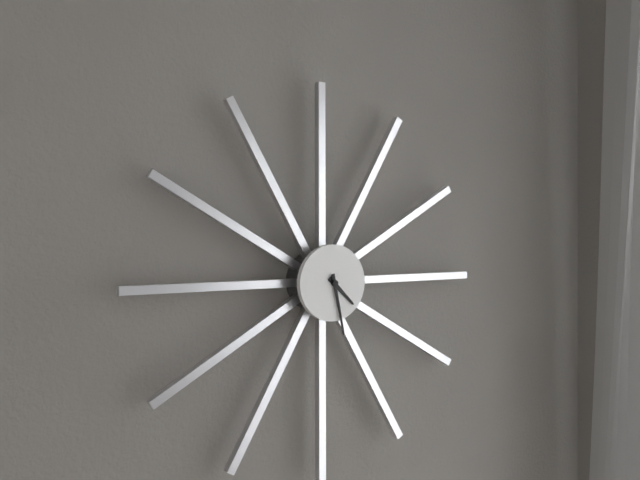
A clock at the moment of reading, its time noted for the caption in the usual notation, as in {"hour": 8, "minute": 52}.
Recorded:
{"hour": 4, "minute": 28}
